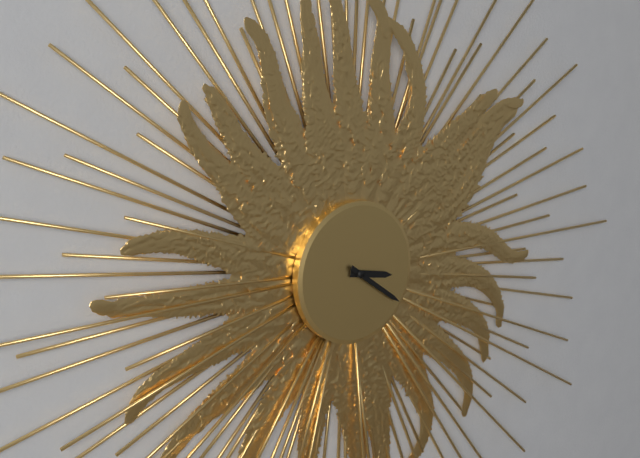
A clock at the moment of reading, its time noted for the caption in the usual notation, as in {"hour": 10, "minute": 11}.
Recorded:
{"hour": 3, "minute": 21}
